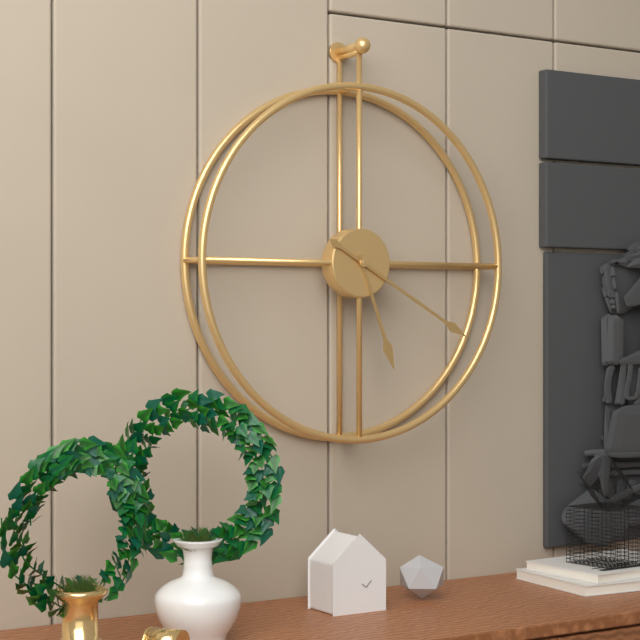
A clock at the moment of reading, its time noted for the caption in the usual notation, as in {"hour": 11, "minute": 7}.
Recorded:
{"hour": 5, "minute": 20}
